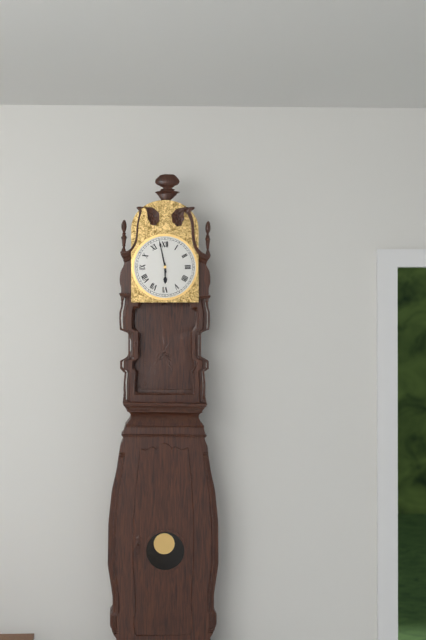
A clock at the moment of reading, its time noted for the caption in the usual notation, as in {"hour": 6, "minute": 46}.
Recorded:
{"hour": 5, "minute": 58}
